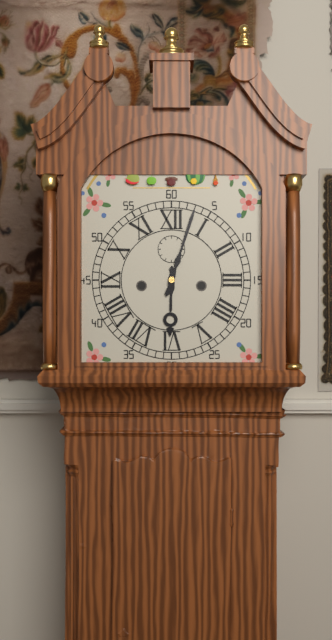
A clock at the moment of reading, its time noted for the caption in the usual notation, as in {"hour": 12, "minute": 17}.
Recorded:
{"hour": 6, "minute": 3}
